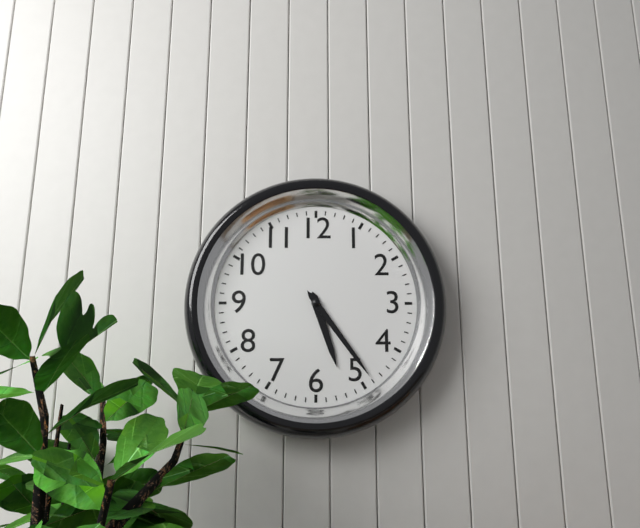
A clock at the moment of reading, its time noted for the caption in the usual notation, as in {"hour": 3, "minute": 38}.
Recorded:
{"hour": 5, "minute": 24}
